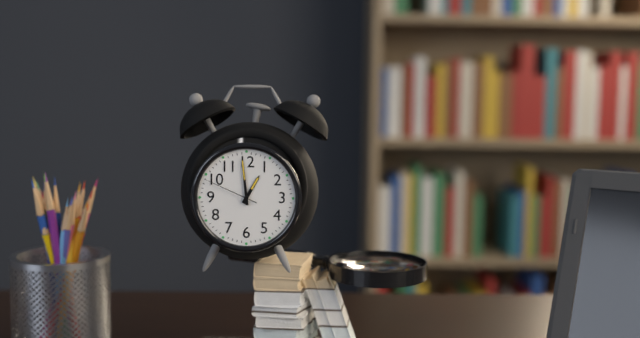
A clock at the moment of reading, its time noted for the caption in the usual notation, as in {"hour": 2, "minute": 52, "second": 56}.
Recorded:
{"hour": 12, "minute": 59, "second": 49}
